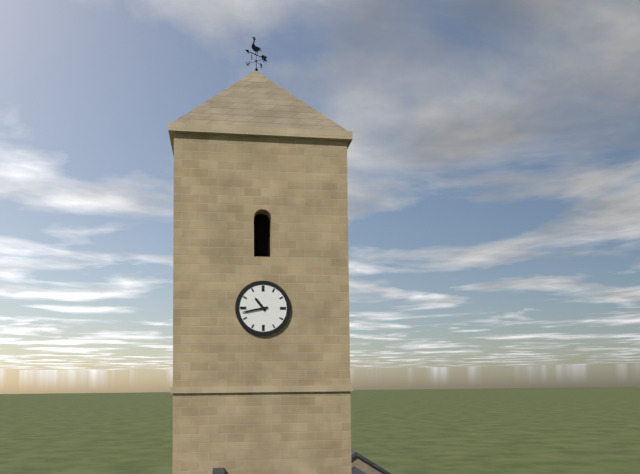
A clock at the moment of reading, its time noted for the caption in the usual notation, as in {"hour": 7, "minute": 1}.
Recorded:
{"hour": 10, "minute": 43}
